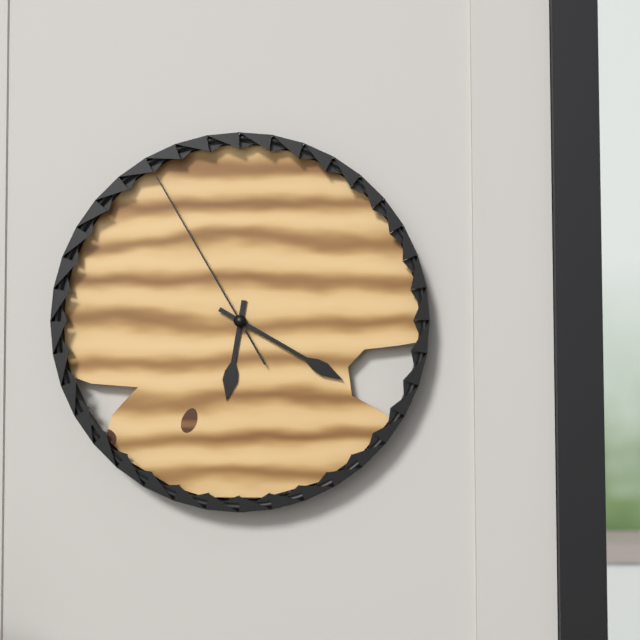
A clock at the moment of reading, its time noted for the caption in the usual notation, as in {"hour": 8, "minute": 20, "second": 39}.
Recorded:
{"hour": 6, "minute": 20, "second": 55}
